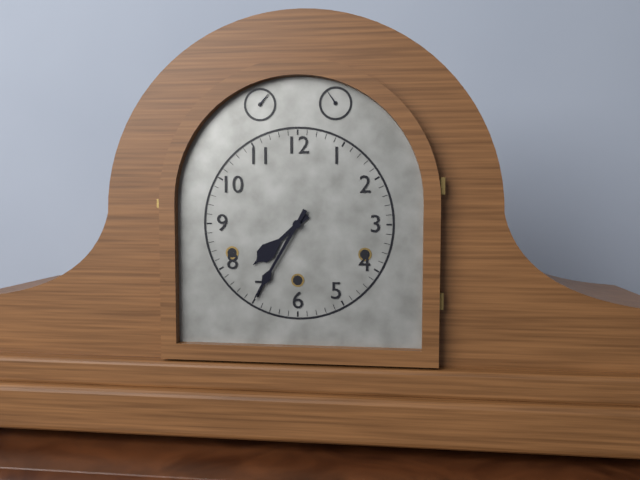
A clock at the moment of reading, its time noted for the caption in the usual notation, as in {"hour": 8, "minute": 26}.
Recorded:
{"hour": 7, "minute": 35}
